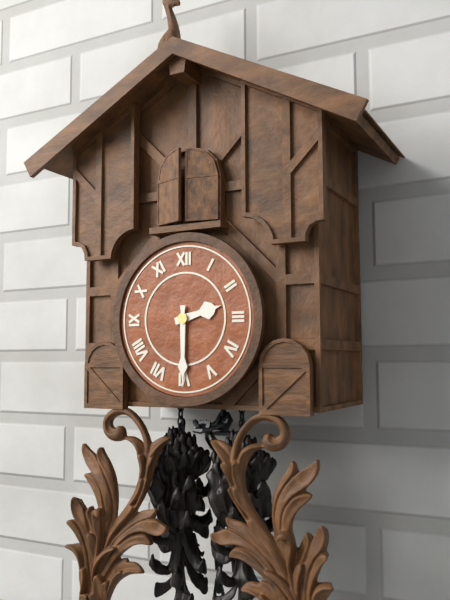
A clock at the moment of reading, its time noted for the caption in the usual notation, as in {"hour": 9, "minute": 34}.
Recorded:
{"hour": 2, "minute": 30}
